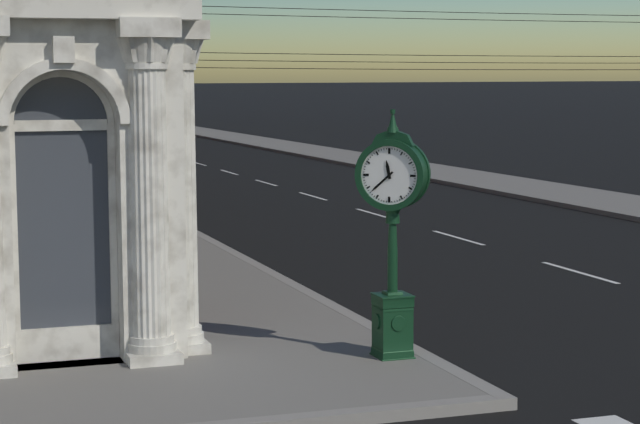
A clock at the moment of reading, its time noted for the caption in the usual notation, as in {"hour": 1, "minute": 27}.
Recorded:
{"hour": 11, "minute": 38}
